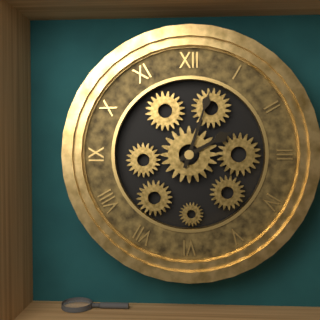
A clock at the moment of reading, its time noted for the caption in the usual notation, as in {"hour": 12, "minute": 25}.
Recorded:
{"hour": 2, "minute": 3}
